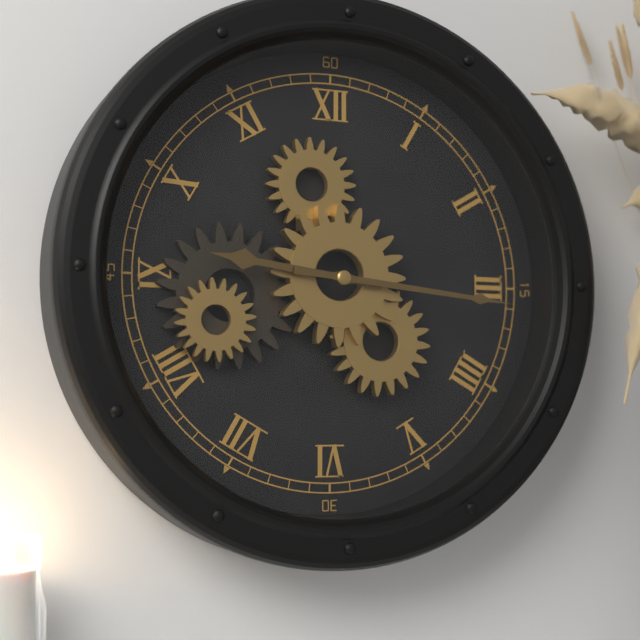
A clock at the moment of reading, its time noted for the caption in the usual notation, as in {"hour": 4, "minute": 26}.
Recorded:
{"hour": 9, "minute": 16}
